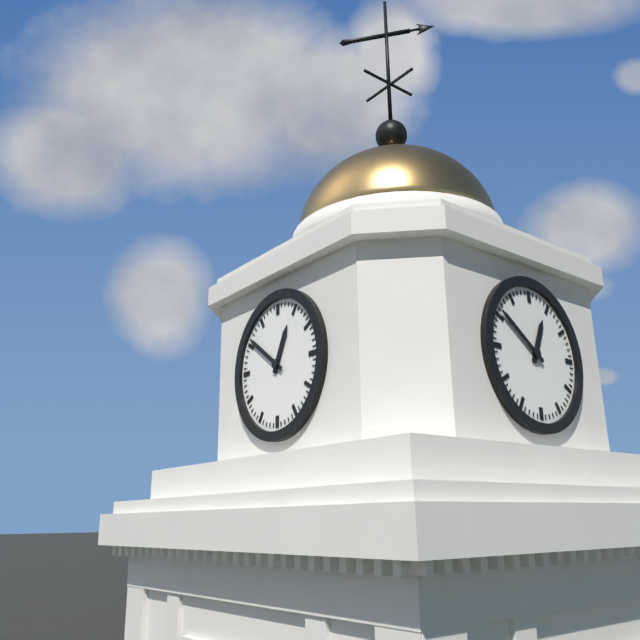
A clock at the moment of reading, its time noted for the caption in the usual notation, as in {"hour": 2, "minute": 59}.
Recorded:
{"hour": 12, "minute": 51}
